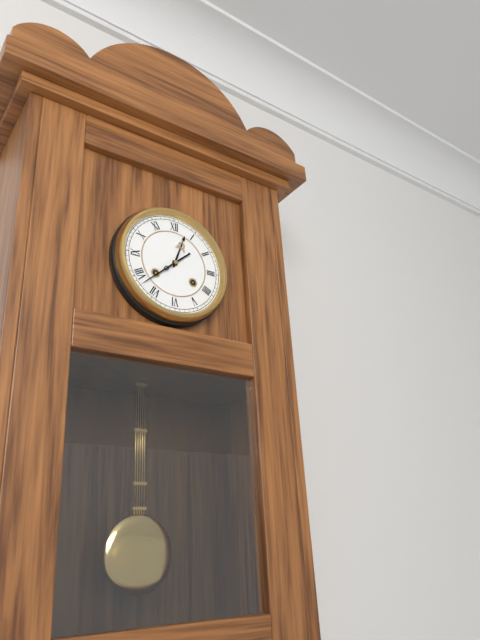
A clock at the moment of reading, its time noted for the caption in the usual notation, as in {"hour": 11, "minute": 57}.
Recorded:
{"hour": 12, "minute": 38}
